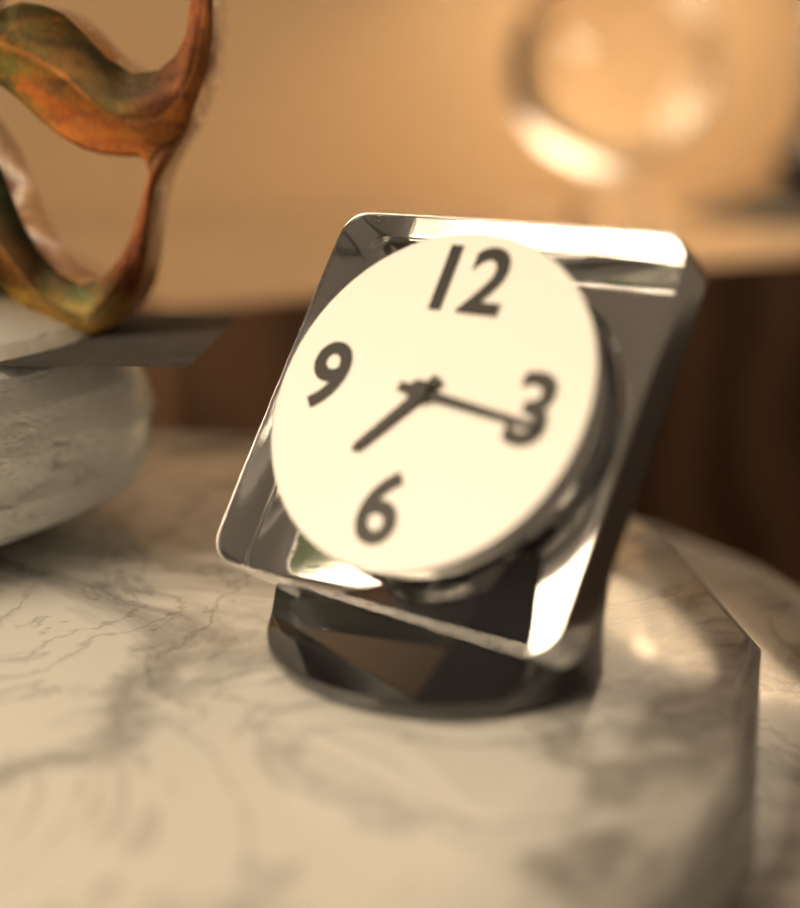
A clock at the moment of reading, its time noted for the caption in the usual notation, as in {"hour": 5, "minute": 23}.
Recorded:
{"hour": 7, "minute": 16}
